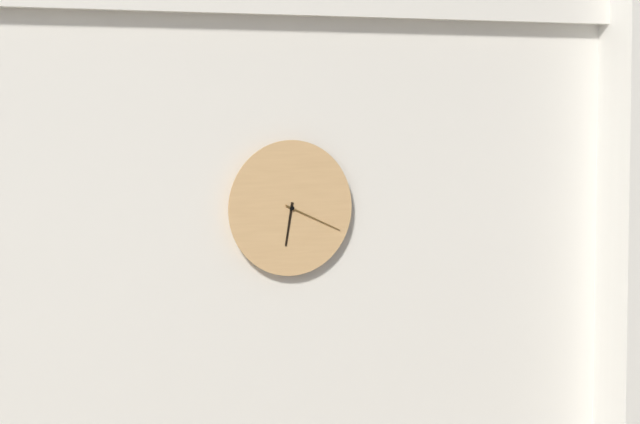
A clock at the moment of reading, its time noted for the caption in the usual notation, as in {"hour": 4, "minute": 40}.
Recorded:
{"hour": 6, "minute": 19}
